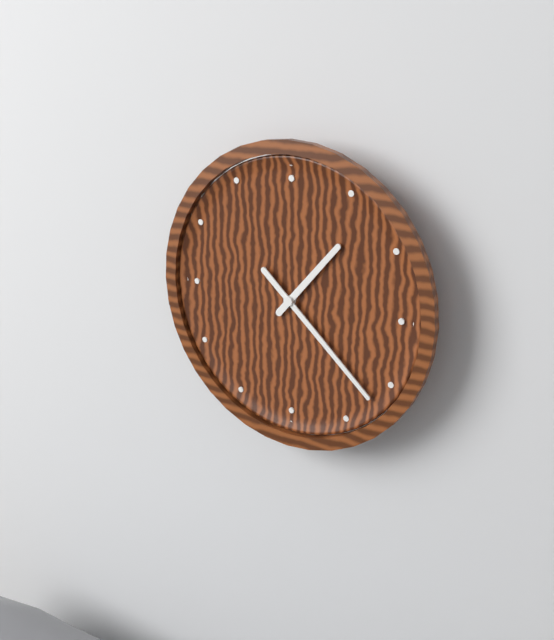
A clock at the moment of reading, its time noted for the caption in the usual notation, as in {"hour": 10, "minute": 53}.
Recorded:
{"hour": 1, "minute": 22}
